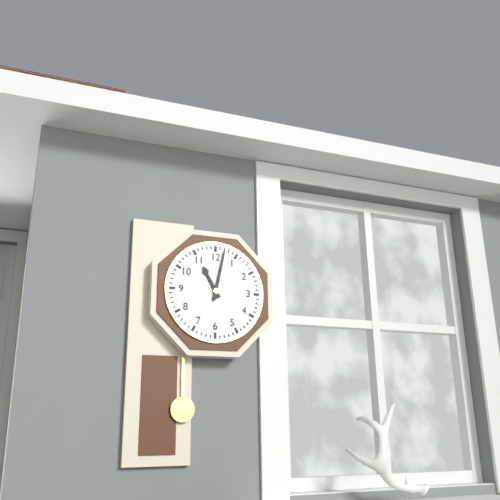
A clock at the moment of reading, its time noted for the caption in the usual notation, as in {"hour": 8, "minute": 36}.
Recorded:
{"hour": 11, "minute": 2}
